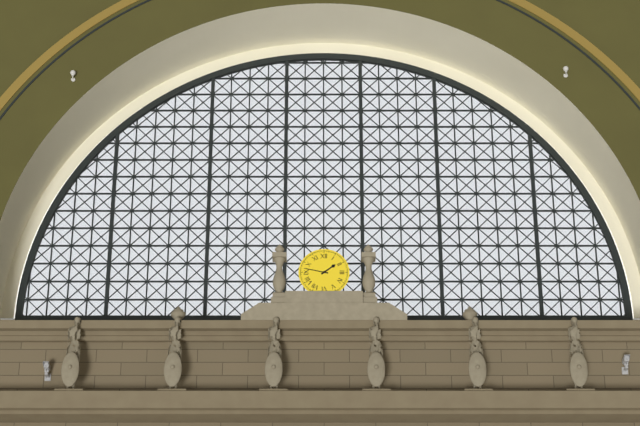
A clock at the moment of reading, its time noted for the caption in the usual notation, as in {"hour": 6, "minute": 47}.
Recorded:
{"hour": 1, "minute": 47}
